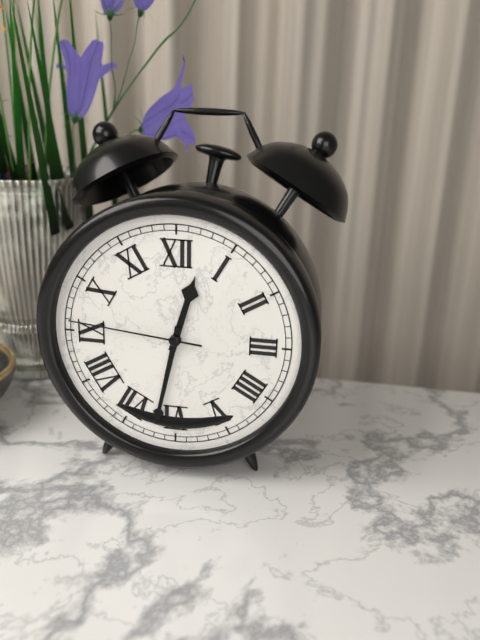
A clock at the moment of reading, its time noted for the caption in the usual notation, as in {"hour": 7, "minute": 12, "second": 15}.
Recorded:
{"hour": 12, "minute": 32, "second": 46}
